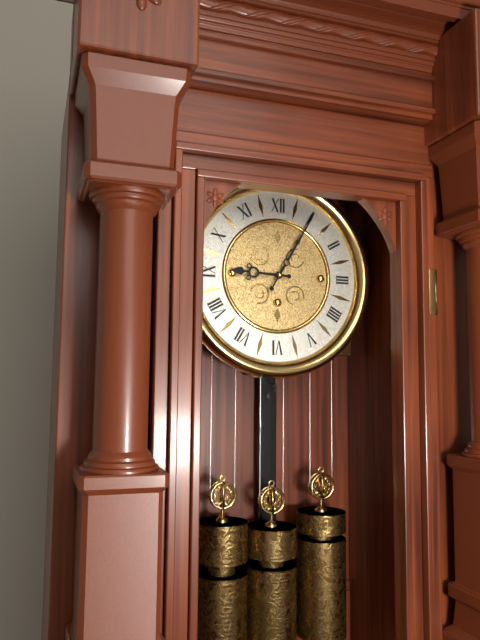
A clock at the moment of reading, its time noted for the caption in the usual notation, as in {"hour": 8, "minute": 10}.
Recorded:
{"hour": 9, "minute": 5}
